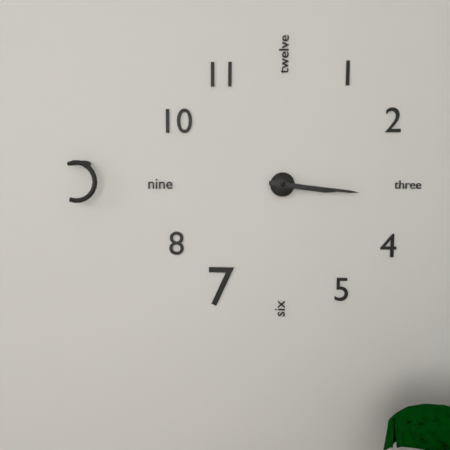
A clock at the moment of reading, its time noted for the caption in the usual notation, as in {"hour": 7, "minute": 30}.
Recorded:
{"hour": 3, "minute": 16}
